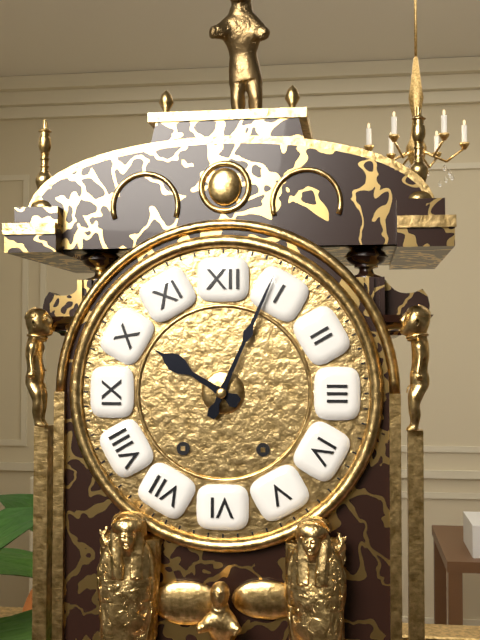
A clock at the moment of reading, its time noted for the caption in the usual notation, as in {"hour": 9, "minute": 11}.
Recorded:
{"hour": 10, "minute": 4}
